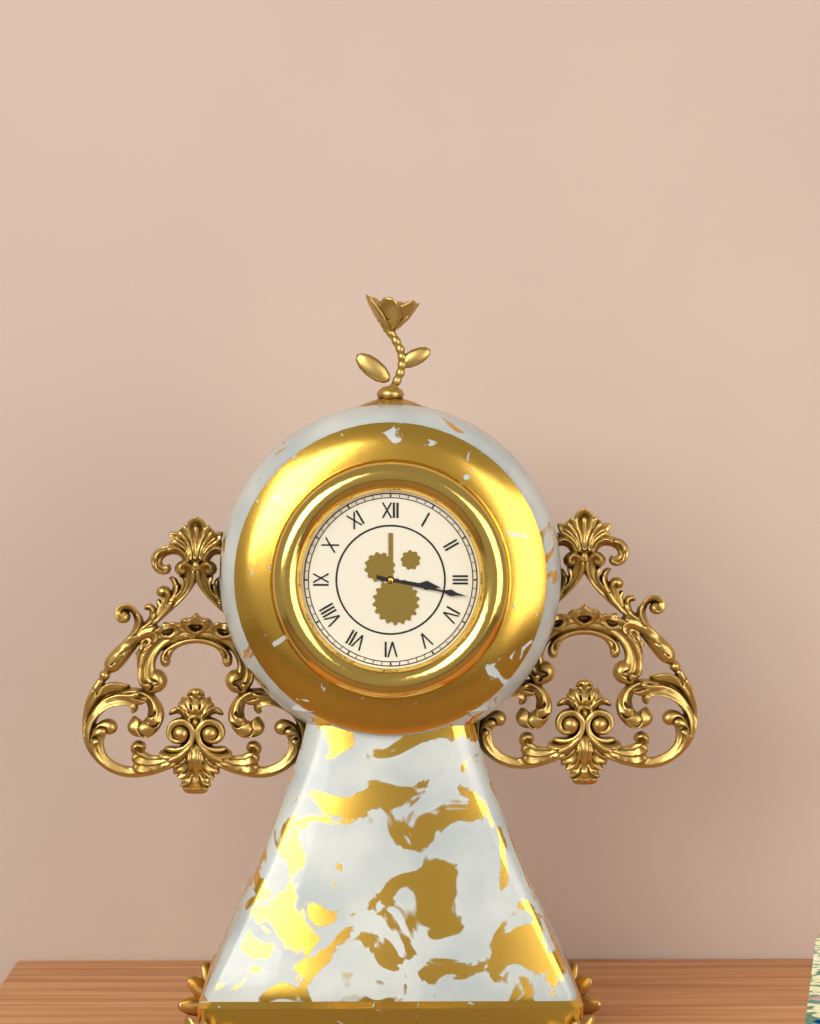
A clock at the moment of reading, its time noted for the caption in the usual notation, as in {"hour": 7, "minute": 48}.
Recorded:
{"hour": 3, "minute": 17}
